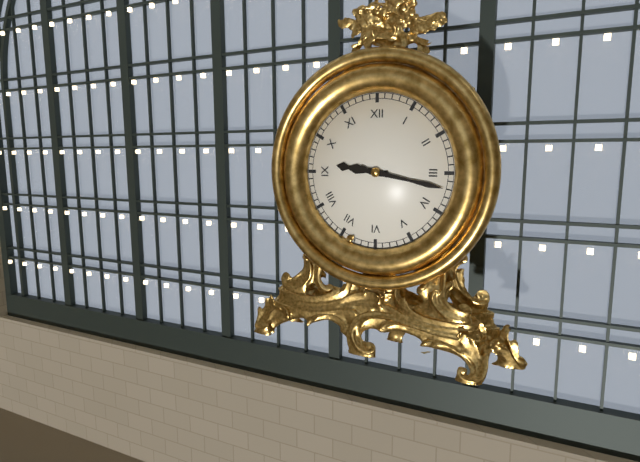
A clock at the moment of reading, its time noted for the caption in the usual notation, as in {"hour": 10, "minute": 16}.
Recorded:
{"hour": 9, "minute": 17}
